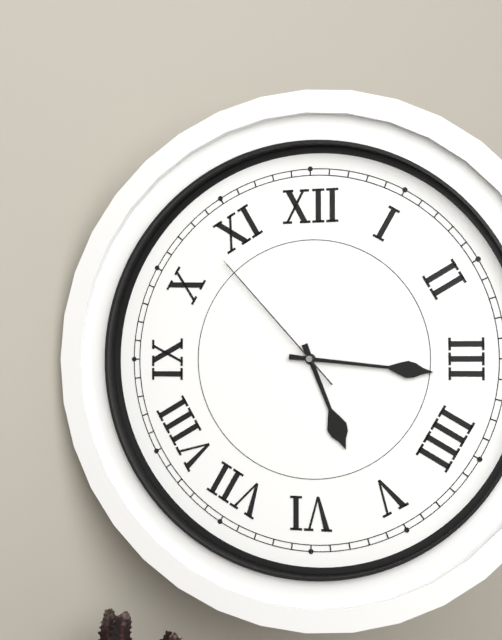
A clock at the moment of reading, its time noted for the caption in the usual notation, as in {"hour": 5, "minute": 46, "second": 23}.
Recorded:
{"hour": 5, "minute": 16, "second": 53}
